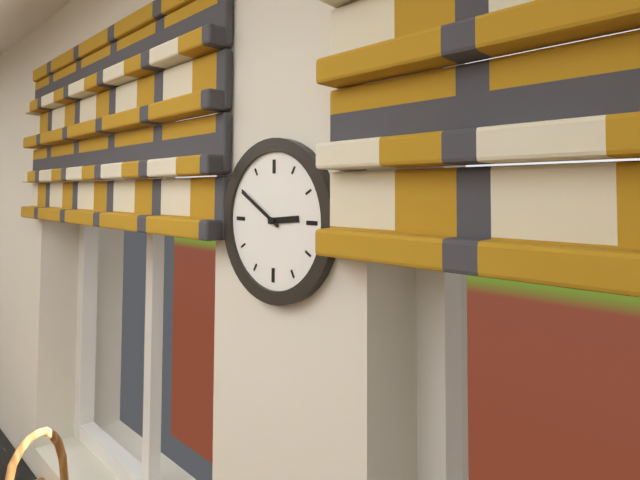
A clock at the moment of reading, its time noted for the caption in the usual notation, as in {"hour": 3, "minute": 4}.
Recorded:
{"hour": 2, "minute": 50}
